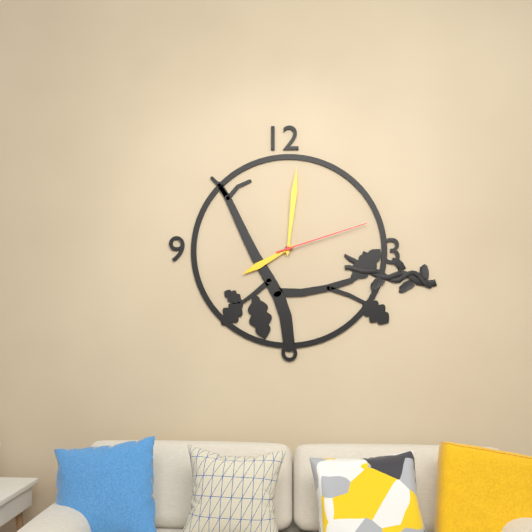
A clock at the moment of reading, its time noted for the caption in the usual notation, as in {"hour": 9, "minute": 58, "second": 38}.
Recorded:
{"hour": 8, "minute": 1, "second": 12}
